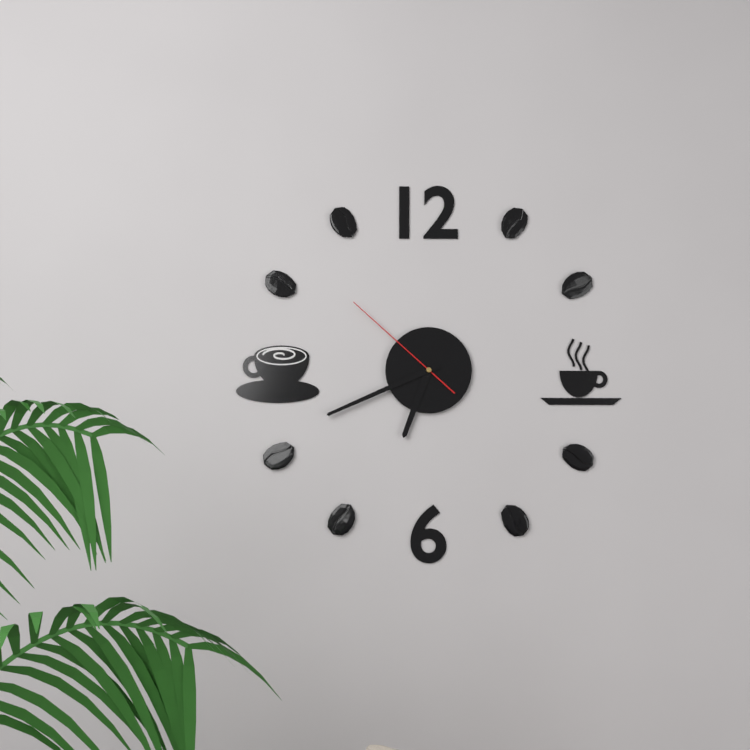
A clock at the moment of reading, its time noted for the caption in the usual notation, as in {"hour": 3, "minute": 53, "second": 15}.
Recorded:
{"hour": 6, "minute": 41, "second": 52}
